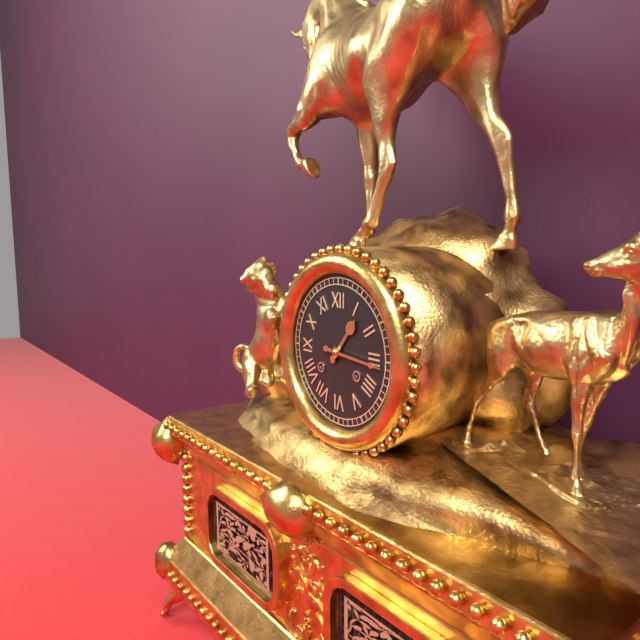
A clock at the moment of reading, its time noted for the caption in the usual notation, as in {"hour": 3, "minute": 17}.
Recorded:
{"hour": 1, "minute": 16}
